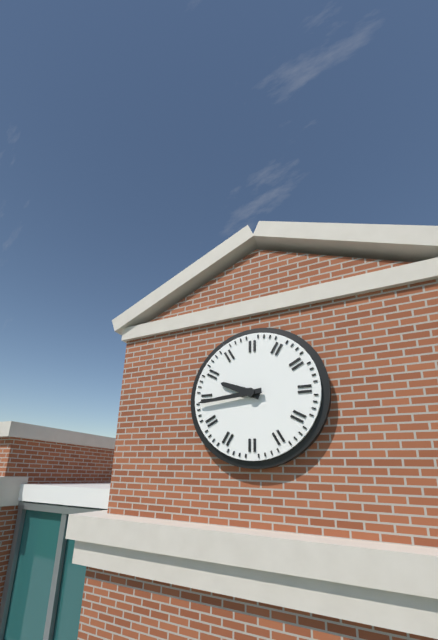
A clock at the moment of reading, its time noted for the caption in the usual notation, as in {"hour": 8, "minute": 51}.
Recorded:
{"hour": 9, "minute": 44}
